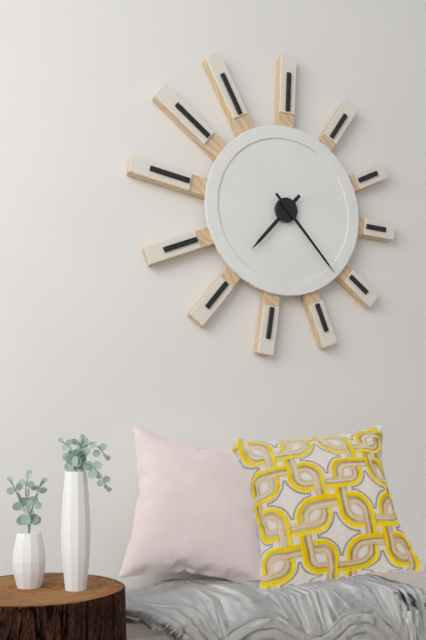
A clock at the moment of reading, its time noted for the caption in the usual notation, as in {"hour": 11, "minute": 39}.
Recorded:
{"hour": 7, "minute": 23}
